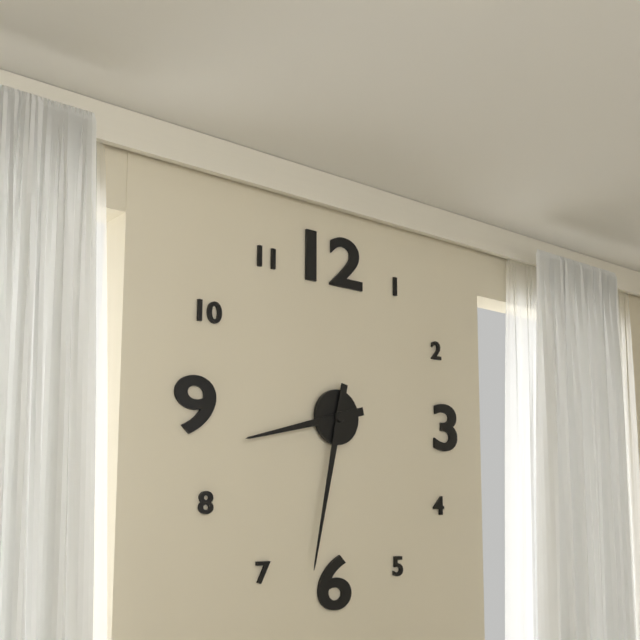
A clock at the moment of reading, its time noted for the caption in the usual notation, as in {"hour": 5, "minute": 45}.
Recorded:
{"hour": 8, "minute": 32}
